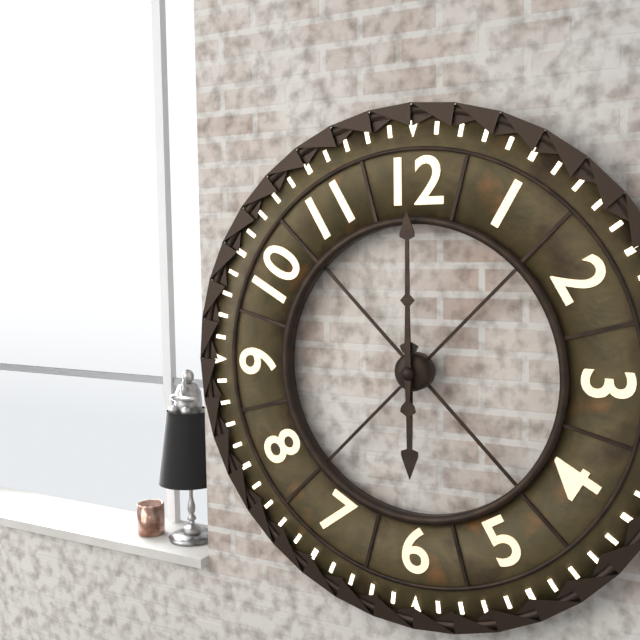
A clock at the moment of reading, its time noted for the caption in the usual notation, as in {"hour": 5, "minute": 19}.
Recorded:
{"hour": 6, "minute": 0}
